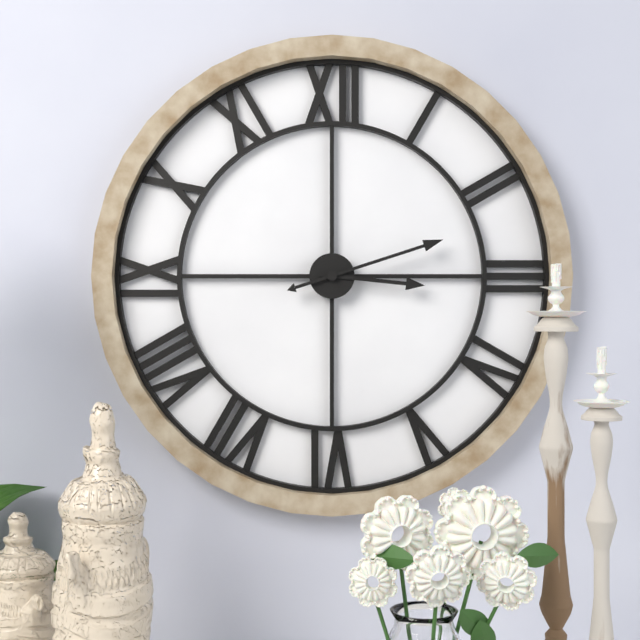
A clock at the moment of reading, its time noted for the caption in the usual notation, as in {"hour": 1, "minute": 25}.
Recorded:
{"hour": 3, "minute": 12}
